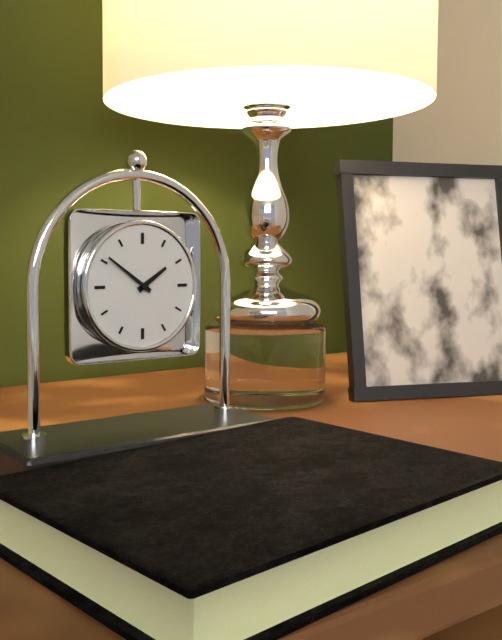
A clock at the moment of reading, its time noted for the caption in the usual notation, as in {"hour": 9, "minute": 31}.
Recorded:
{"hour": 1, "minute": 51}
